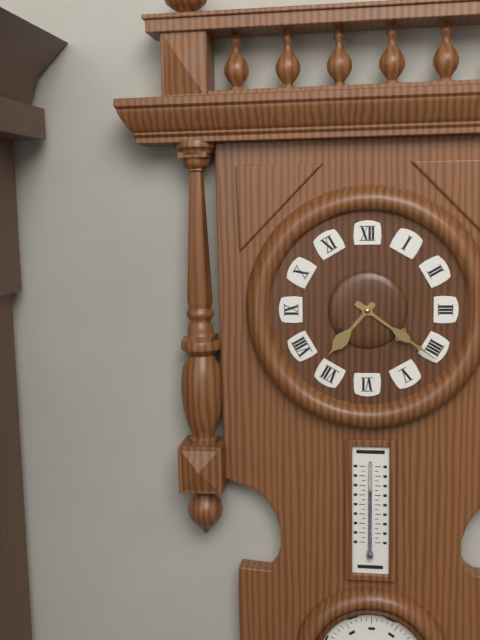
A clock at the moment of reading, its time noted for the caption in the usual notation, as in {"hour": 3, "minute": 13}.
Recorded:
{"hour": 7, "minute": 21}
